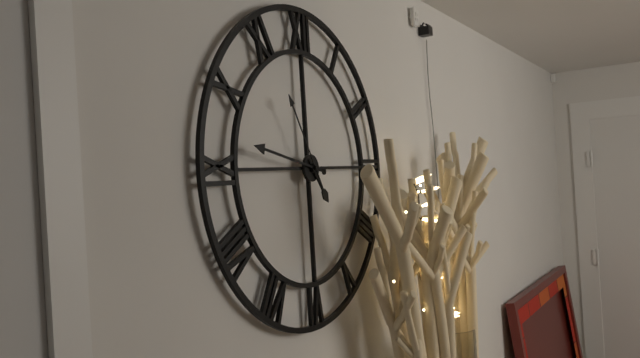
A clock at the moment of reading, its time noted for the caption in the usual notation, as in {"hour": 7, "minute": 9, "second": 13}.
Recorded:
{"hour": 4, "minute": 47, "second": 55}
